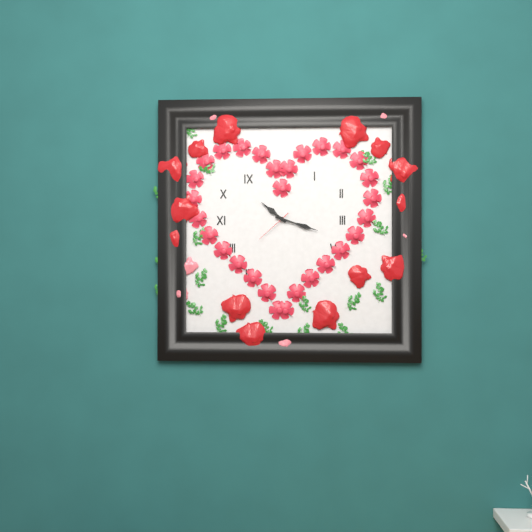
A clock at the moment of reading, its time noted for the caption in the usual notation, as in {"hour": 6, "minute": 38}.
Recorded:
{"hour": 10, "minute": 18}
